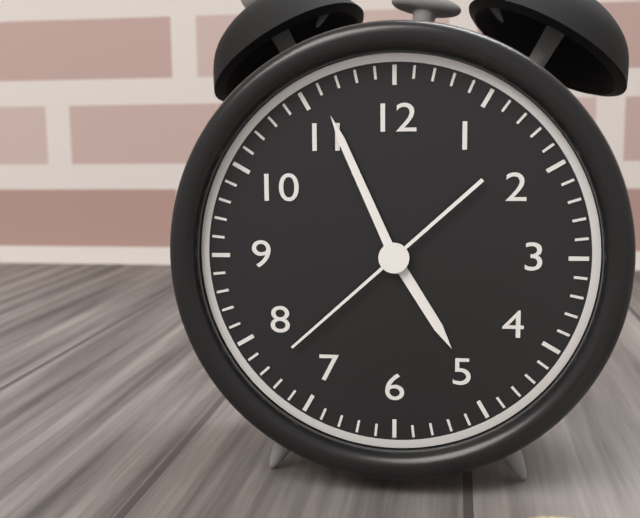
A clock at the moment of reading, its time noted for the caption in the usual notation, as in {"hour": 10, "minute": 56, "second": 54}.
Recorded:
{"hour": 4, "minute": 56, "second": 38}
